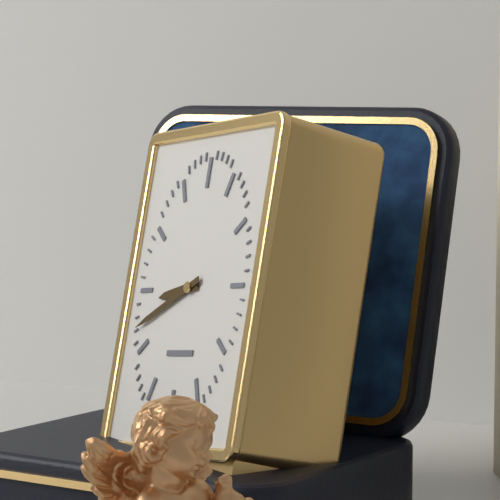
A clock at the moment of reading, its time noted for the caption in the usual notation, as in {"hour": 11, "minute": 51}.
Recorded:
{"hour": 8, "minute": 41}
